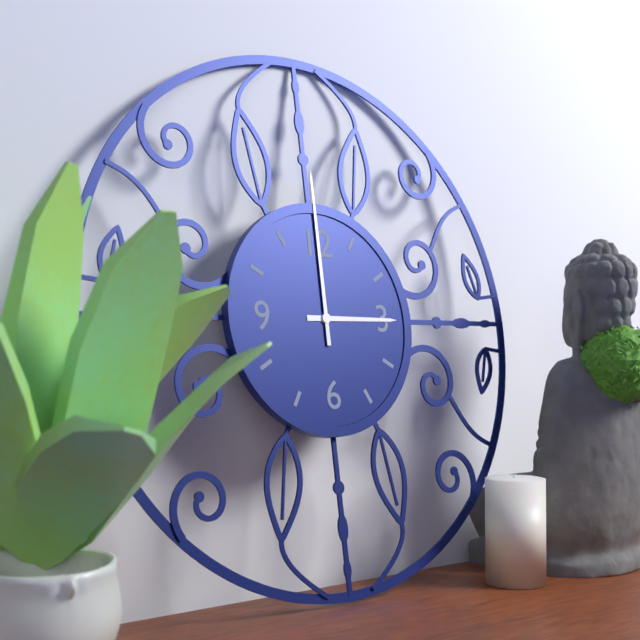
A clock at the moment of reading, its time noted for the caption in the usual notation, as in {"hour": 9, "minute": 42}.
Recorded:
{"hour": 3, "minute": 0}
